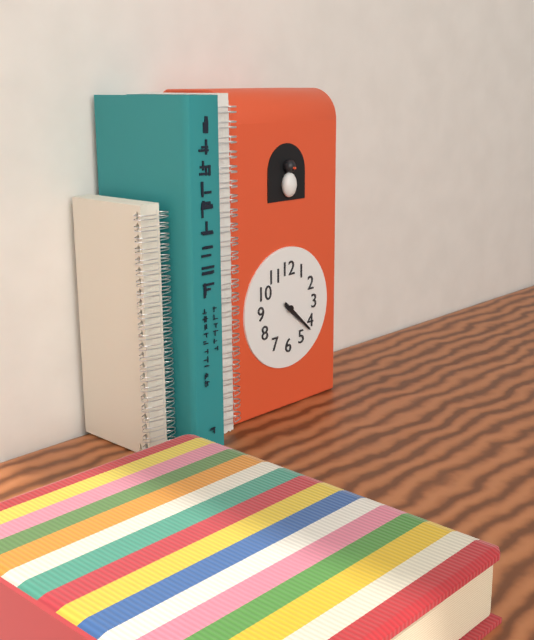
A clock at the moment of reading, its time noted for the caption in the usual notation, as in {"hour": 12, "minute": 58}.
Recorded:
{"hour": 4, "minute": 22}
